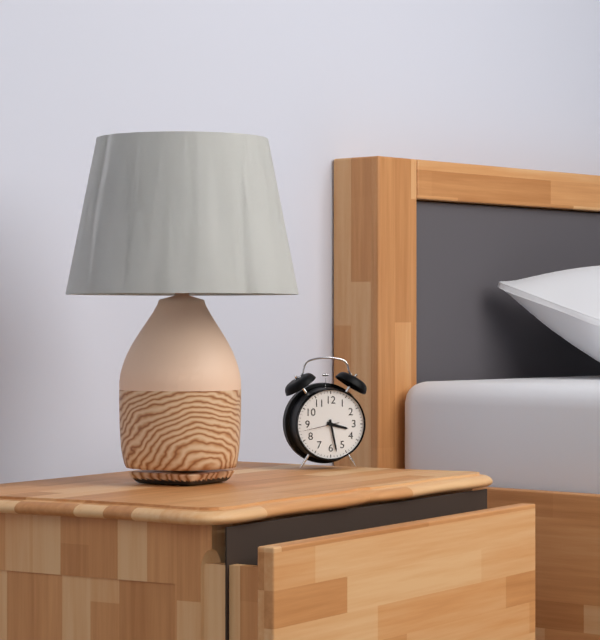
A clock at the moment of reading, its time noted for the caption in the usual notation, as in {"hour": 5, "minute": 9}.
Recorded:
{"hour": 3, "minute": 28}
